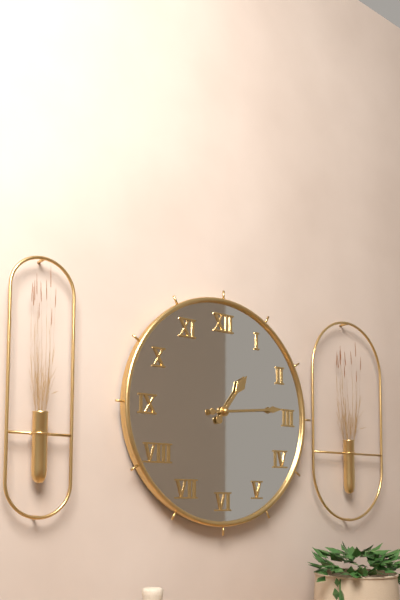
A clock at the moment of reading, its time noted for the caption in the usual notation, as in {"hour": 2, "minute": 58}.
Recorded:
{"hour": 1, "minute": 14}
